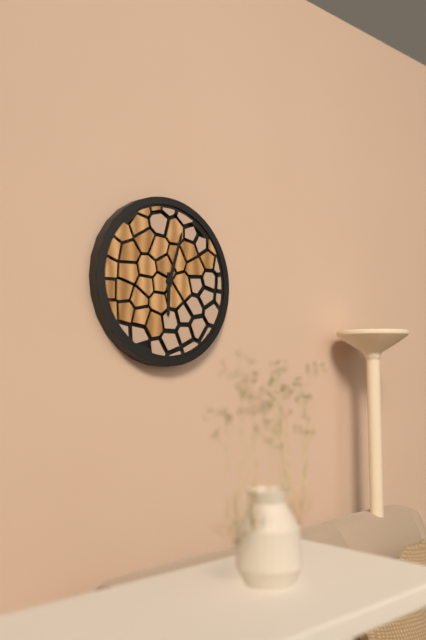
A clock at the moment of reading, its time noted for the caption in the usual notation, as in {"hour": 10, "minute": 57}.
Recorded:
{"hour": 6, "minute": 3}
